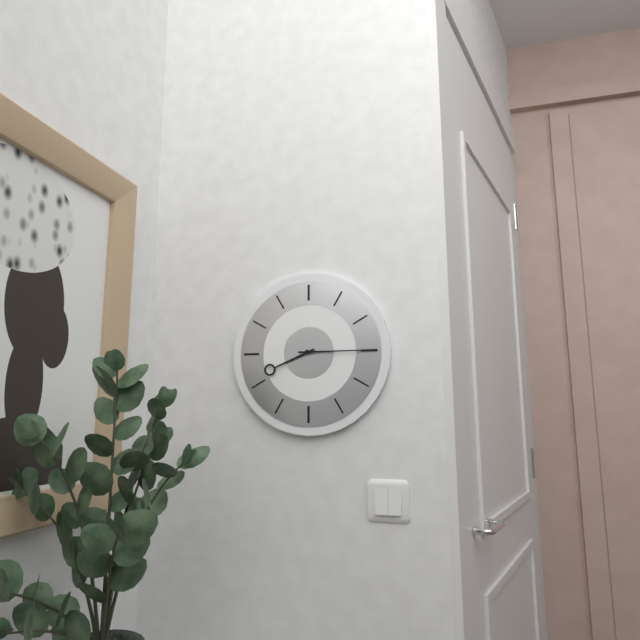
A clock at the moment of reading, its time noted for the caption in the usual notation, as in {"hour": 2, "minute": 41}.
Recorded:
{"hour": 8, "minute": 15}
